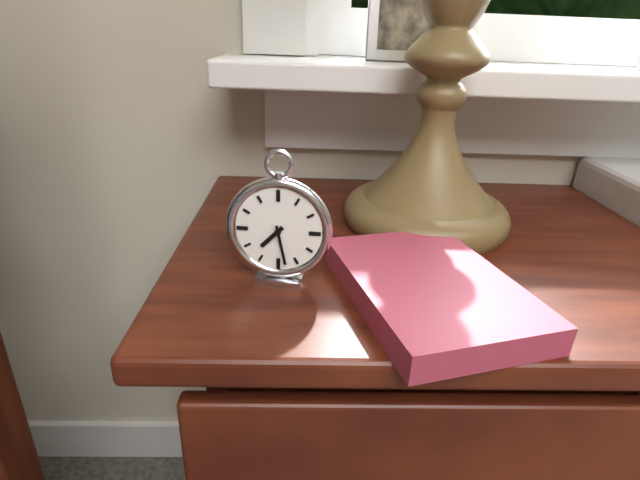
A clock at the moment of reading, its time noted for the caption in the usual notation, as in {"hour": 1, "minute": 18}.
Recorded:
{"hour": 7, "minute": 28}
